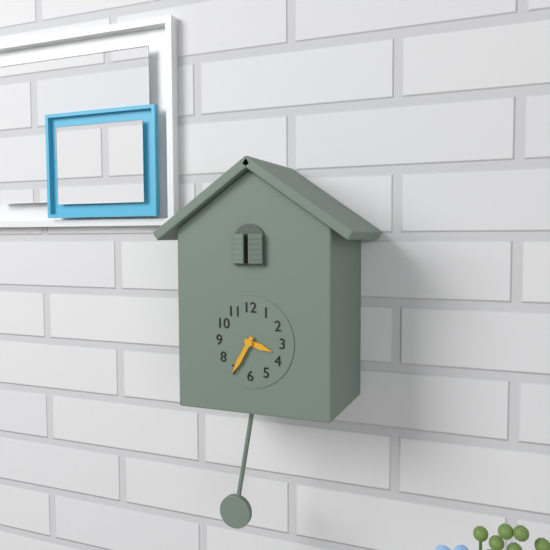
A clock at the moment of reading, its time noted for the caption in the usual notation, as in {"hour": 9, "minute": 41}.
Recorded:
{"hour": 3, "minute": 35}
